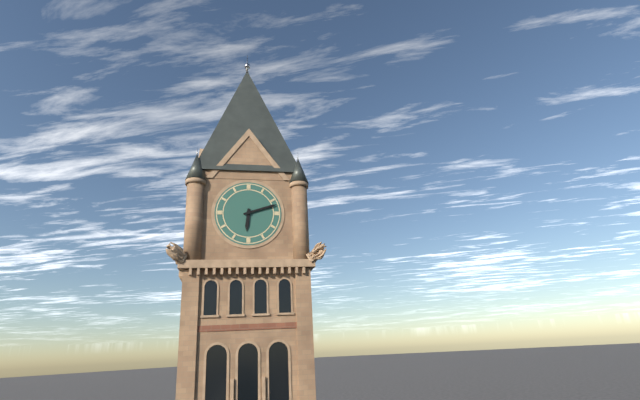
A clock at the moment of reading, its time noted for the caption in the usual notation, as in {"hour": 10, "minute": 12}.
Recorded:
{"hour": 6, "minute": 12}
